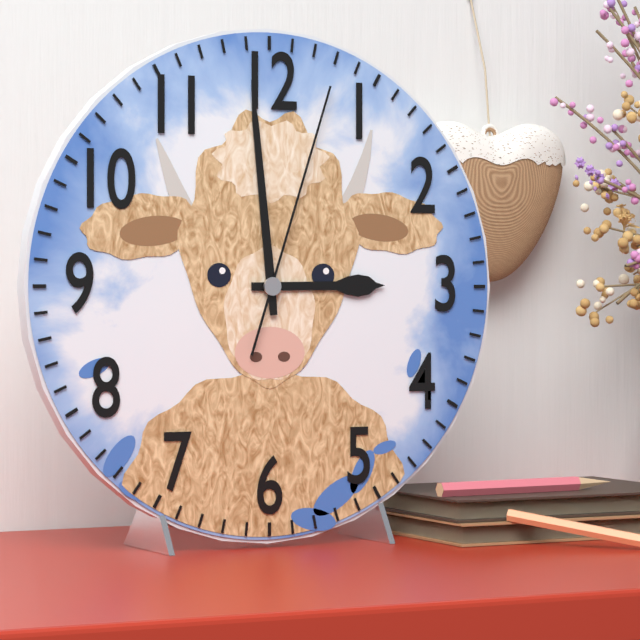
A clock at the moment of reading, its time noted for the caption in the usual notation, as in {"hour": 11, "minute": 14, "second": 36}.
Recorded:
{"hour": 2, "minute": 59, "second": 3}
